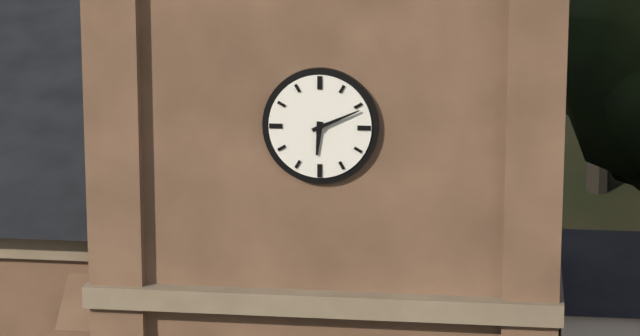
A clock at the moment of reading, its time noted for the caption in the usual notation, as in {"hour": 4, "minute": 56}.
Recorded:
{"hour": 6, "minute": 11}
